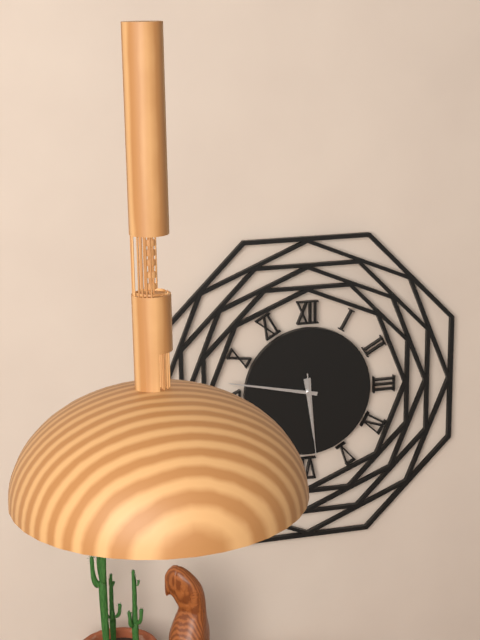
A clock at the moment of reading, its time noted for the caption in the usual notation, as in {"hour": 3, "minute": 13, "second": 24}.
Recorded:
{"hour": 5, "minute": 47, "second": 29}
